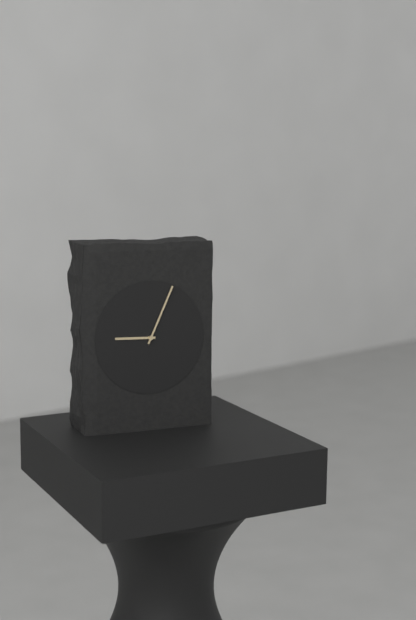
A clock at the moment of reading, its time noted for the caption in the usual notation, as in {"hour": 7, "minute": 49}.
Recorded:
{"hour": 9, "minute": 4}
